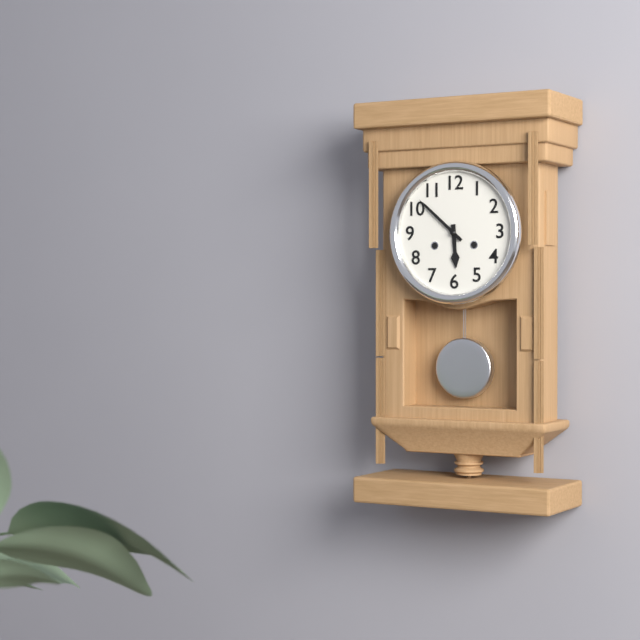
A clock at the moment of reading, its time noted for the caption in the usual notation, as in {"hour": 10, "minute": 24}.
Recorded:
{"hour": 5, "minute": 52}
